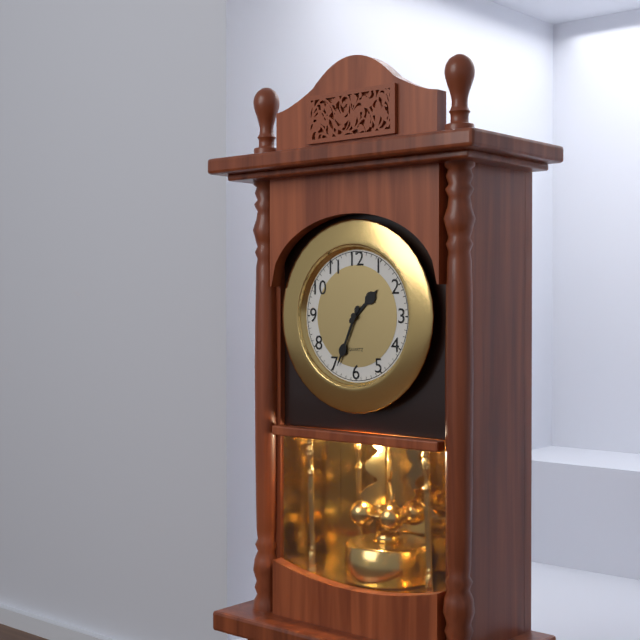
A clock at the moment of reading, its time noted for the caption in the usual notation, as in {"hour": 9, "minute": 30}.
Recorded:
{"hour": 1, "minute": 34}
